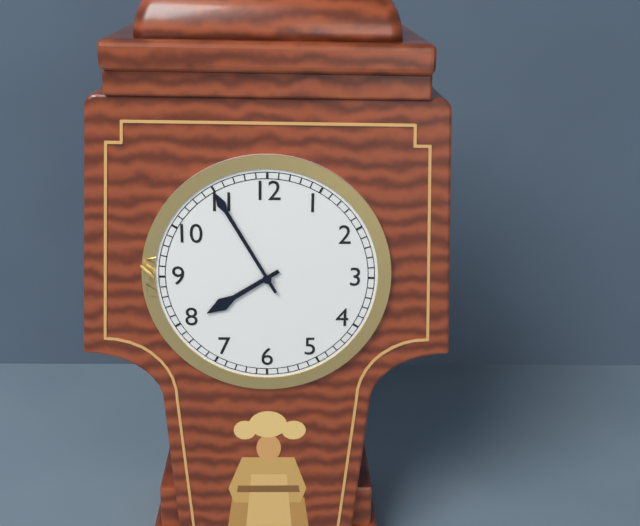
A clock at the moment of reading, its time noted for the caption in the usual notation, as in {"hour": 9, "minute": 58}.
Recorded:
{"hour": 7, "minute": 55}
